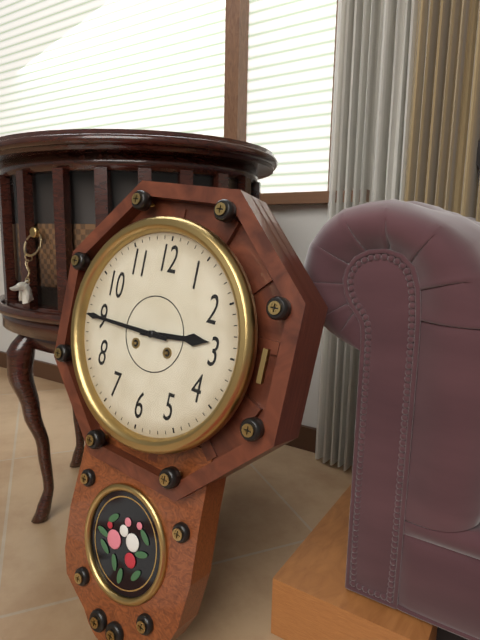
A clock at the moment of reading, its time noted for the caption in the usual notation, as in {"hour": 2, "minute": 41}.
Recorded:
{"hour": 2, "minute": 45}
